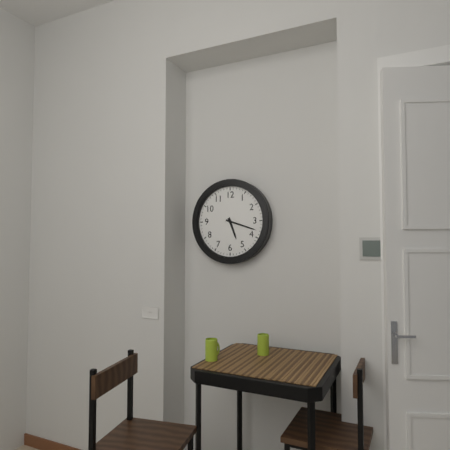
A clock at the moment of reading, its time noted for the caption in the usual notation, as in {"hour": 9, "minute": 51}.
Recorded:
{"hour": 5, "minute": 18}
